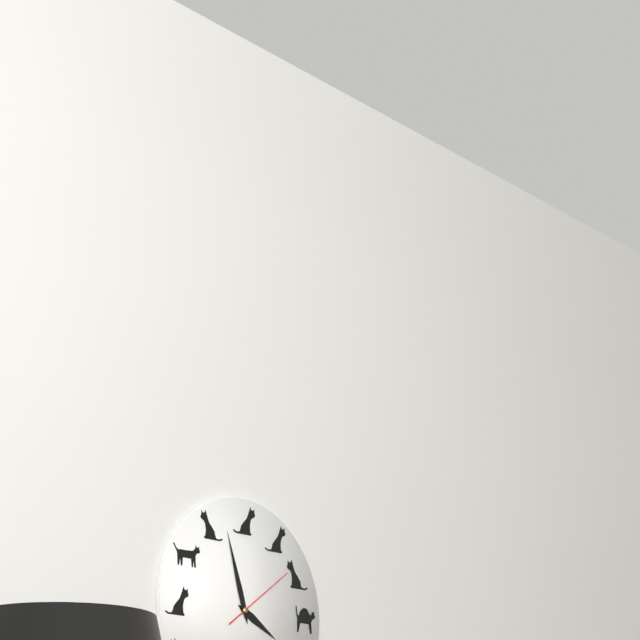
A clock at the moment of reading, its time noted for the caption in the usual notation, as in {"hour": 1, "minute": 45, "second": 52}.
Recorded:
{"hour": 3, "minute": 57, "second": 9}
